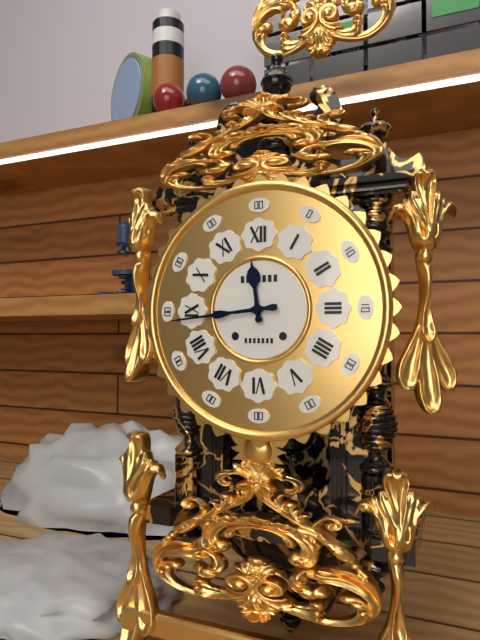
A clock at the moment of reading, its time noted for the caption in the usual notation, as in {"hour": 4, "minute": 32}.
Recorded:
{"hour": 11, "minute": 44}
